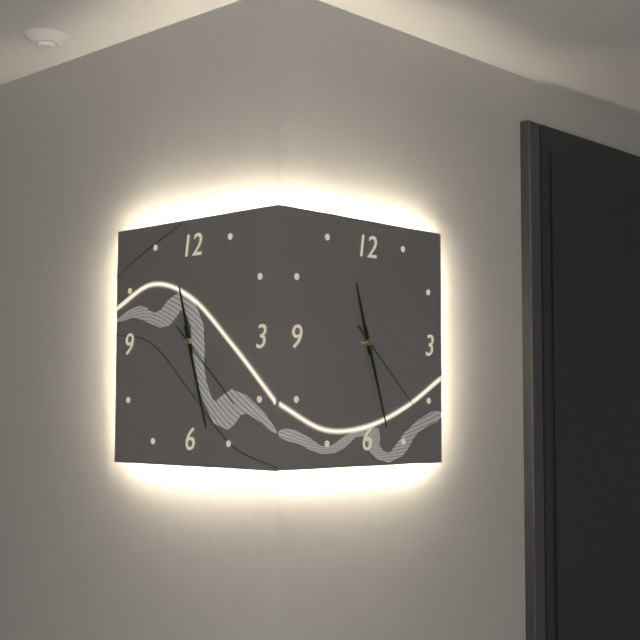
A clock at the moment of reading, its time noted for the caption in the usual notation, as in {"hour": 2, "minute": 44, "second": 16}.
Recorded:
{"hour": 11, "minute": 27, "second": 22}
